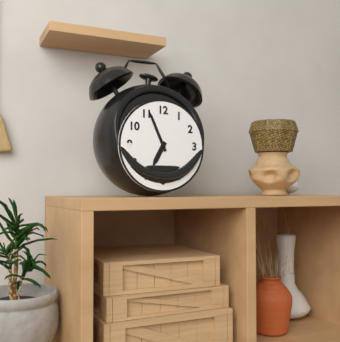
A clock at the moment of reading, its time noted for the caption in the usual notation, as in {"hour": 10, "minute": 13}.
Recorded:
{"hour": 6, "minute": 56}
